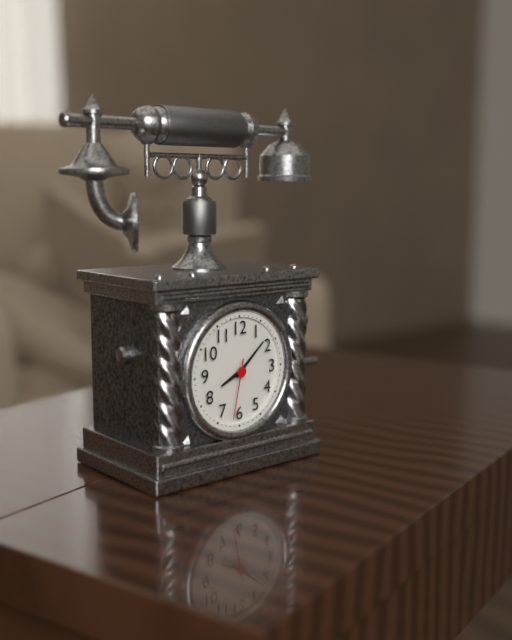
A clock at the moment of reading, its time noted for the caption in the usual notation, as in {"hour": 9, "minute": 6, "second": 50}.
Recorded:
{"hour": 8, "minute": 8, "second": 32}
